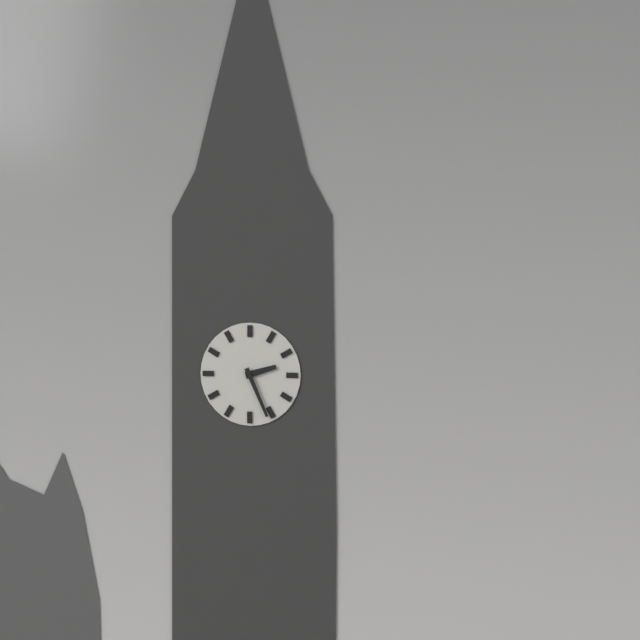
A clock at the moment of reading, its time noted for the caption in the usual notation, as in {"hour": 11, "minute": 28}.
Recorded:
{"hour": 2, "minute": 26}
